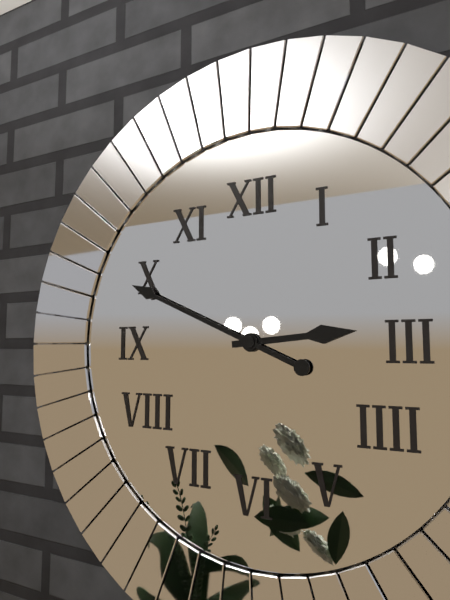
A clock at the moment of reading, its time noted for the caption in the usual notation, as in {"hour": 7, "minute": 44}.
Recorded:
{"hour": 2, "minute": 49}
